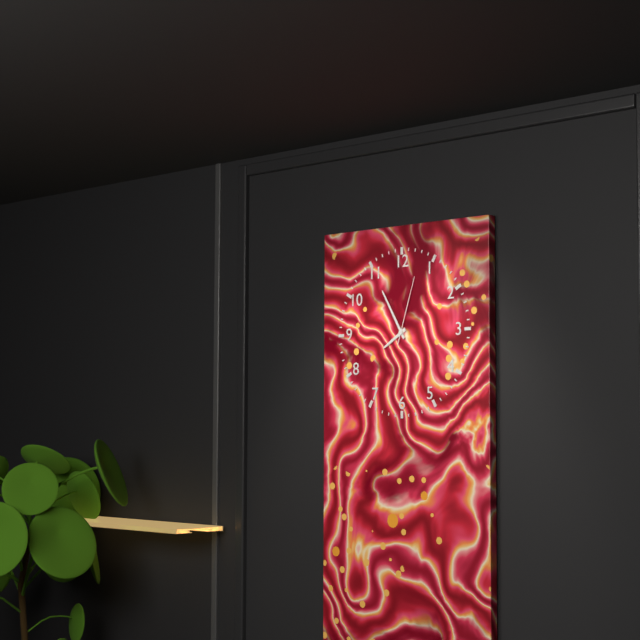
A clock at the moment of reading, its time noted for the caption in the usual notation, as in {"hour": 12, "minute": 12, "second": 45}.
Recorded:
{"hour": 7, "minute": 55, "second": 3}
